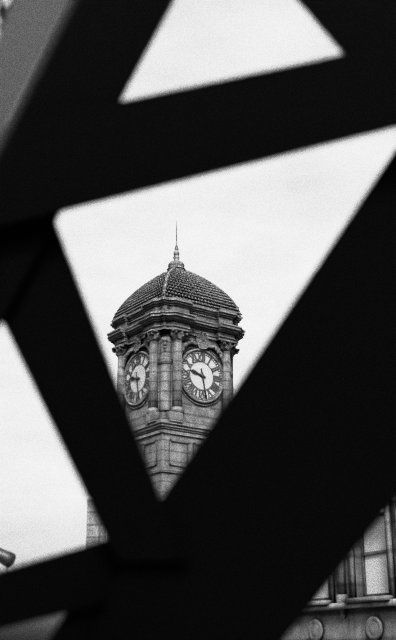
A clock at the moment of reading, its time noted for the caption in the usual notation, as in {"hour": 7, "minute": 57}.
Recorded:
{"hour": 9, "minute": 28}
